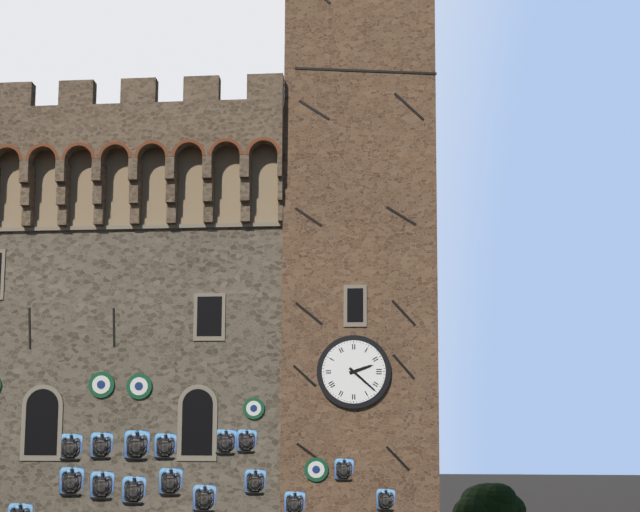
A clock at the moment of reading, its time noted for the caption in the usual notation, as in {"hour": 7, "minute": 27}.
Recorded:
{"hour": 2, "minute": 22}
